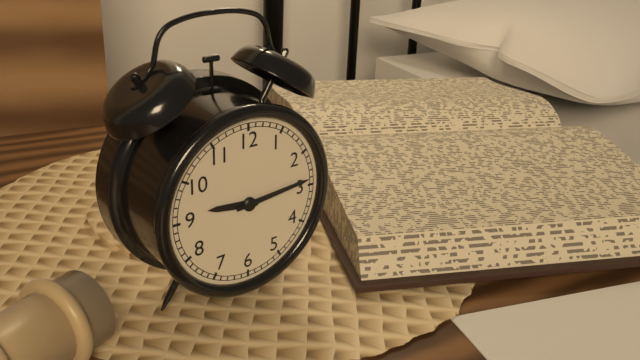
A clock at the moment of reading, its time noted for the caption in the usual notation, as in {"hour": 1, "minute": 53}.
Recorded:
{"hour": 9, "minute": 14}
